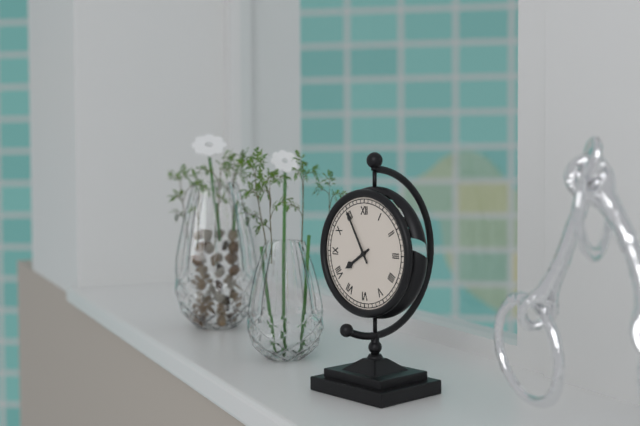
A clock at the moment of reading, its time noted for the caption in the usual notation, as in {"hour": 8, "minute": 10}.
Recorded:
{"hour": 7, "minute": 55}
